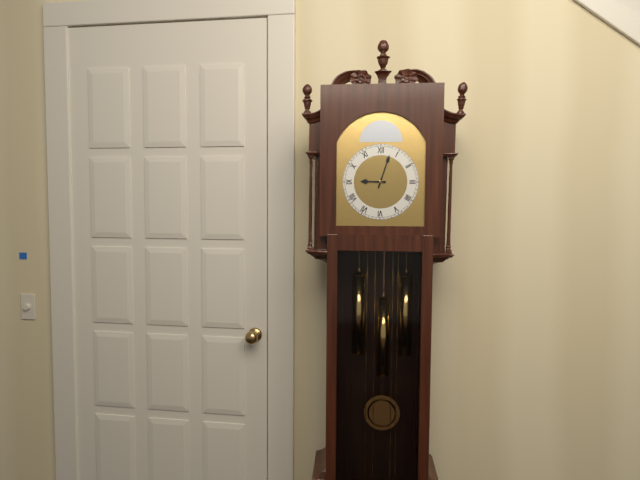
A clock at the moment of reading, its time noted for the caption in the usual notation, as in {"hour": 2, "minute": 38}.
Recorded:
{"hour": 9, "minute": 3}
